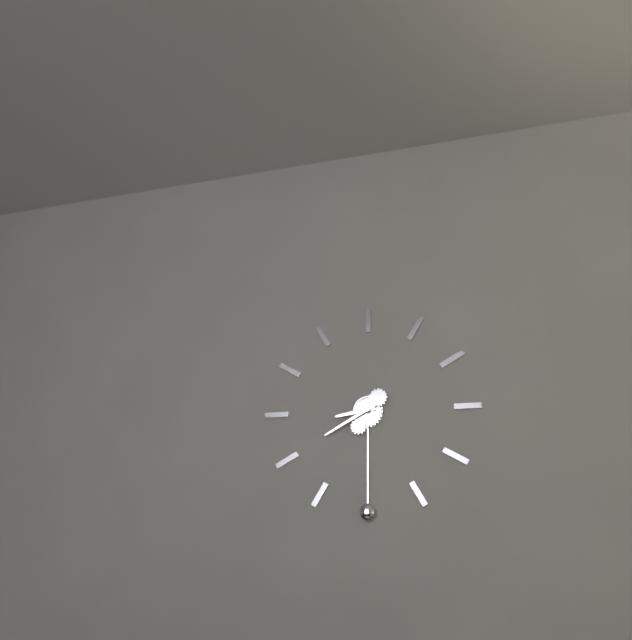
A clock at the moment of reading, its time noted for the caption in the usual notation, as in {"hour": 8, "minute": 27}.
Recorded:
{"hour": 8, "minute": 40}
